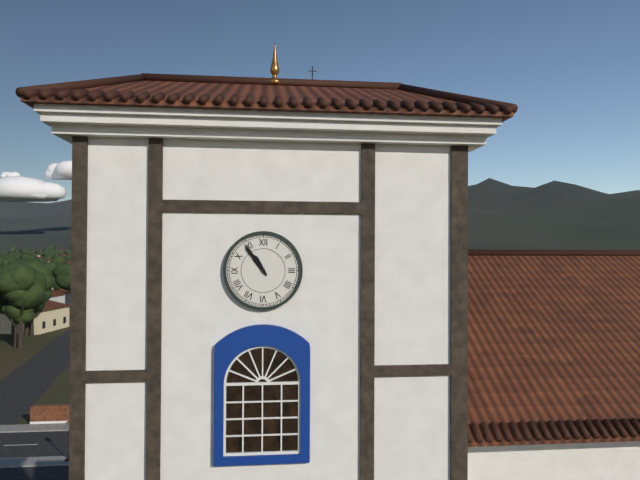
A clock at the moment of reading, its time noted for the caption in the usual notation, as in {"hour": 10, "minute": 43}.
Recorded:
{"hour": 10, "minute": 54}
